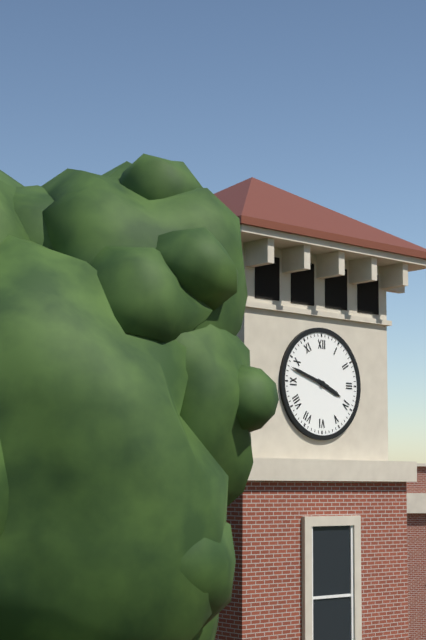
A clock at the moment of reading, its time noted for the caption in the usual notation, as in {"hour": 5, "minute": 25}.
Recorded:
{"hour": 3, "minute": 48}
